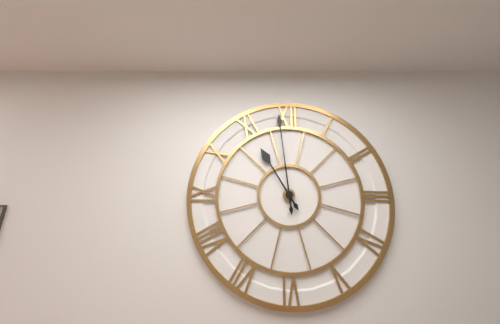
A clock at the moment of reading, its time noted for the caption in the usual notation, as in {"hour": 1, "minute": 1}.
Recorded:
{"hour": 10, "minute": 59}
